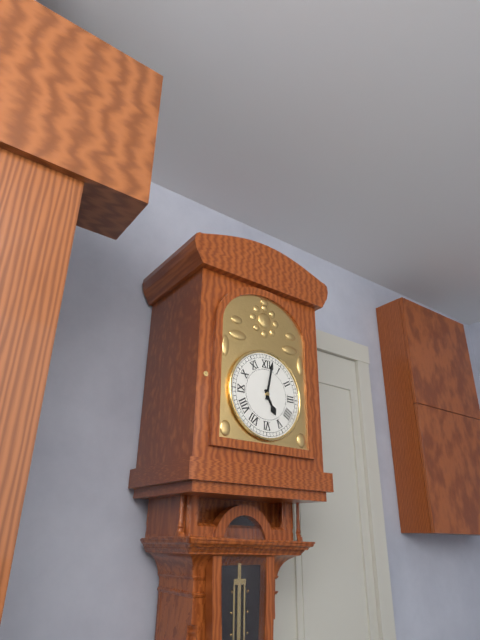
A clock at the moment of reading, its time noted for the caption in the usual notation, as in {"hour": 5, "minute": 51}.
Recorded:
{"hour": 5, "minute": 2}
